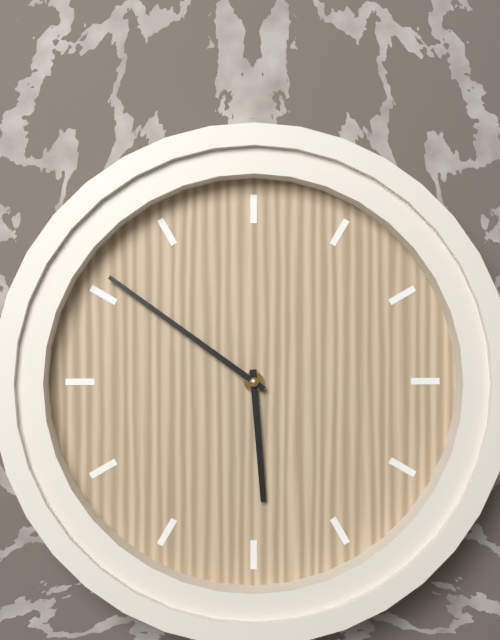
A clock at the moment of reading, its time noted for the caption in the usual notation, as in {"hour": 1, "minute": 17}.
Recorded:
{"hour": 5, "minute": 51}
